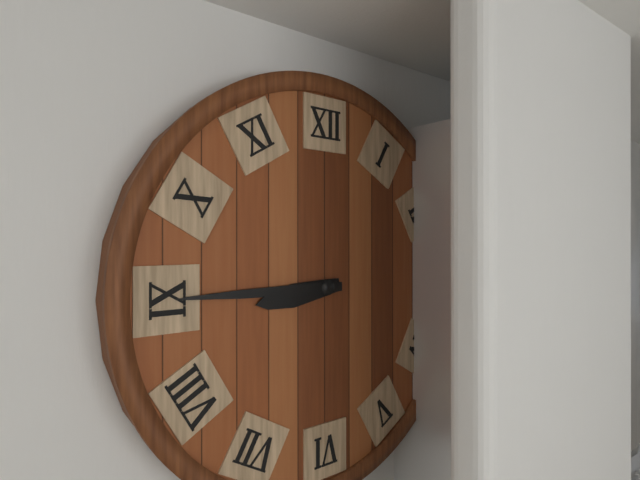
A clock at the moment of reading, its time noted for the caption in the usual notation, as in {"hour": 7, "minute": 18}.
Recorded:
{"hour": 8, "minute": 45}
